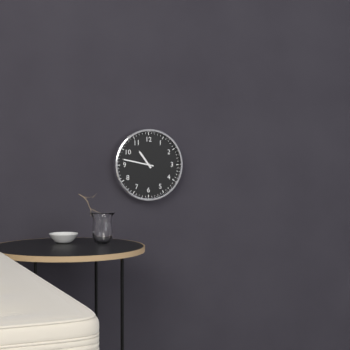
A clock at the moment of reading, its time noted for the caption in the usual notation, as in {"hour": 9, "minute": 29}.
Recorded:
{"hour": 10, "minute": 47}
